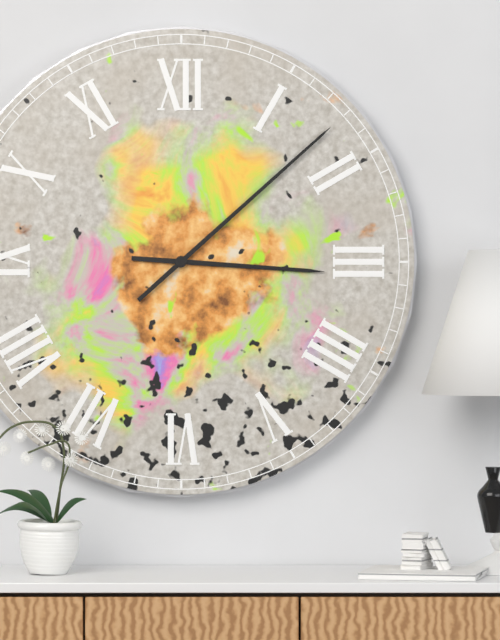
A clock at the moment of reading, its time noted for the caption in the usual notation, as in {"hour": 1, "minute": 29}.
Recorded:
{"hour": 3, "minute": 8}
